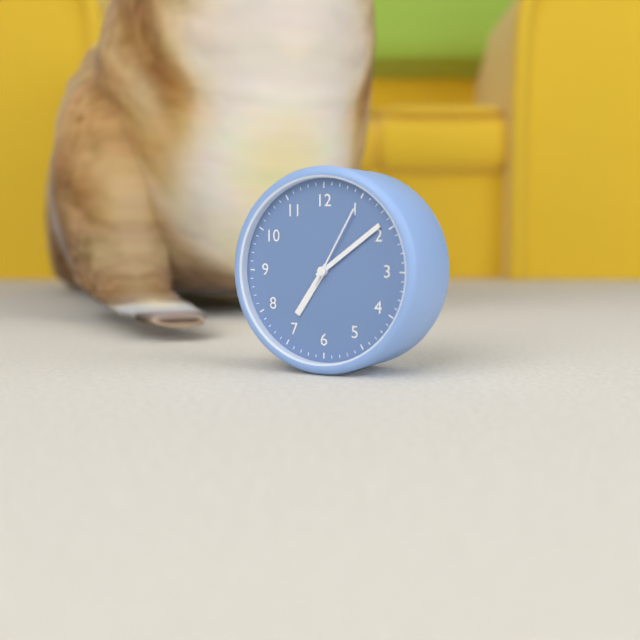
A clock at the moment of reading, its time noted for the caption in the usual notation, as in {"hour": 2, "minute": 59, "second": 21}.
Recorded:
{"hour": 7, "minute": 9, "second": 5}
